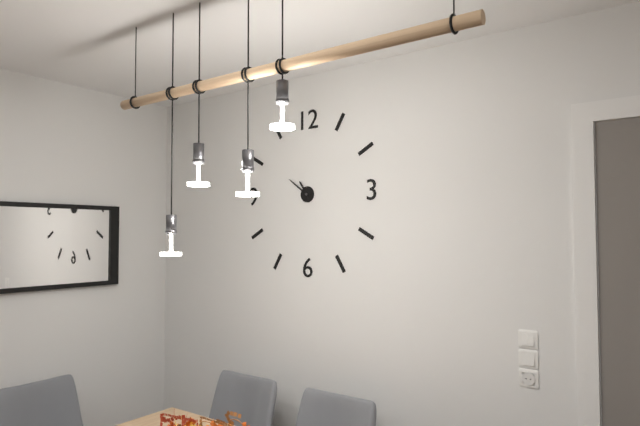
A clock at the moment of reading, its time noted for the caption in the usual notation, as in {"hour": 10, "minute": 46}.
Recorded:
{"hour": 10, "minute": 51}
